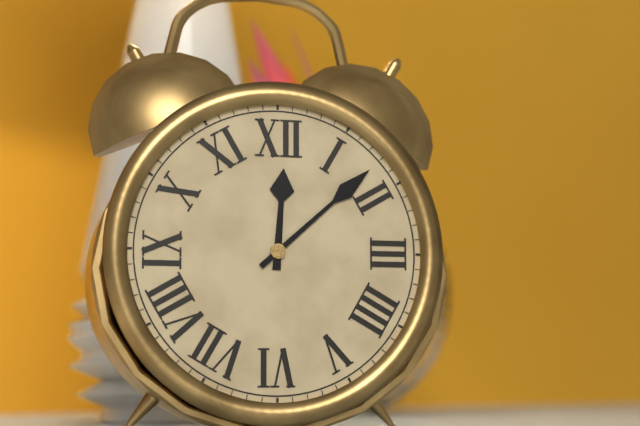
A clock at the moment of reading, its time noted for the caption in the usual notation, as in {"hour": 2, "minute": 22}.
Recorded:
{"hour": 12, "minute": 8}
